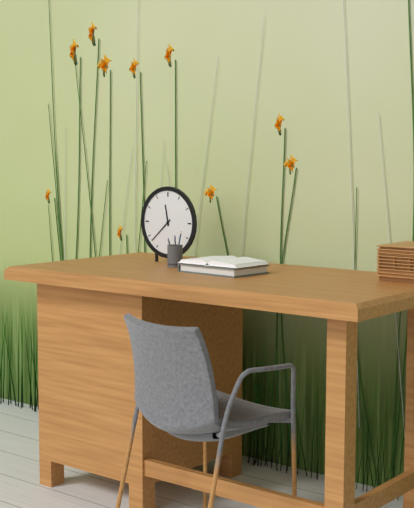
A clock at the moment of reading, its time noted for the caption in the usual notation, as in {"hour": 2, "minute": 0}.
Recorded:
{"hour": 11, "minute": 38}
